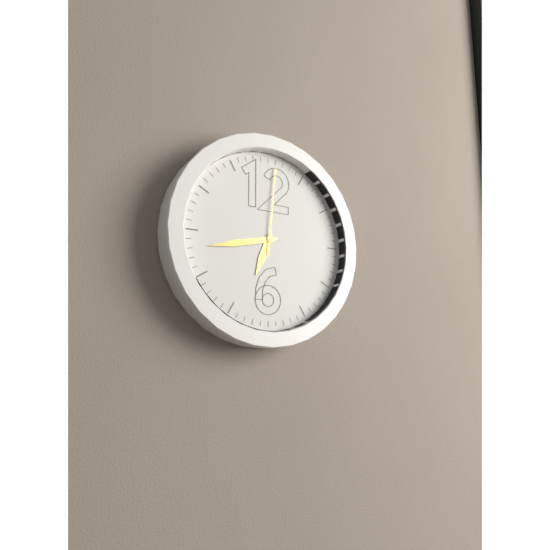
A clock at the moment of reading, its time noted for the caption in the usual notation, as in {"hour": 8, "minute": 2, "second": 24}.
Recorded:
{"hour": 6, "minute": 43, "second": 1}
